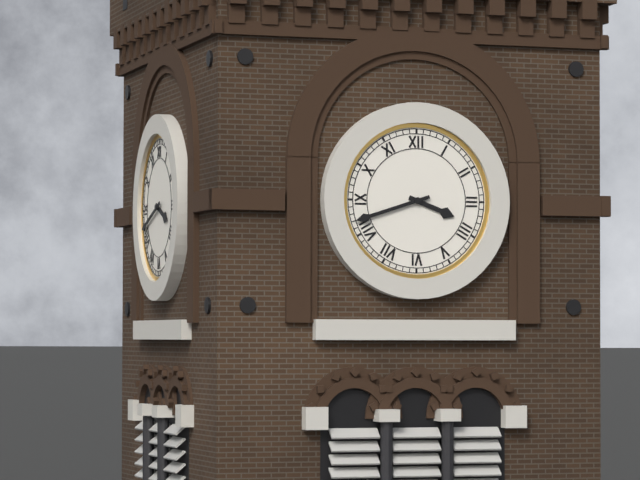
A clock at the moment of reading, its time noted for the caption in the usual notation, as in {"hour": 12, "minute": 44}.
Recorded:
{"hour": 3, "minute": 42}
